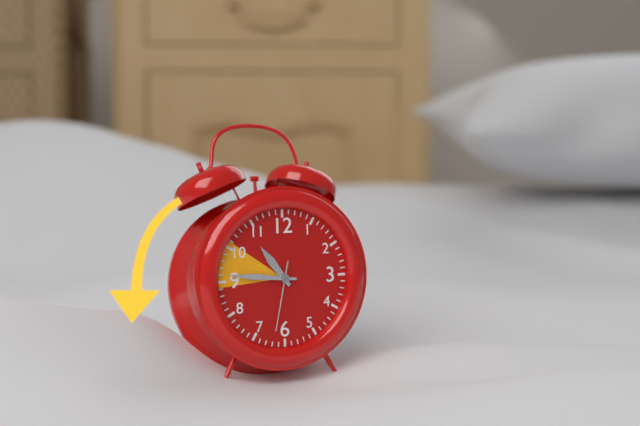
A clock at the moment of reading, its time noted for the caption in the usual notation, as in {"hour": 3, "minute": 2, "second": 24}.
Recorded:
{"hour": 10, "minute": 46, "second": 32}
